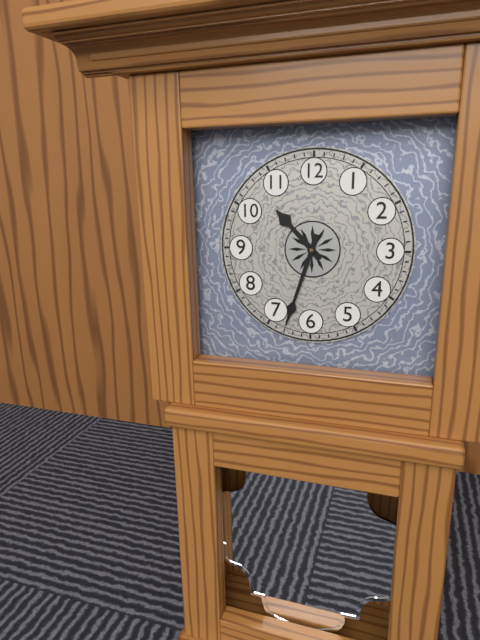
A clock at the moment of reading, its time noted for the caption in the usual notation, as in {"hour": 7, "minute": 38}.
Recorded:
{"hour": 10, "minute": 33}
